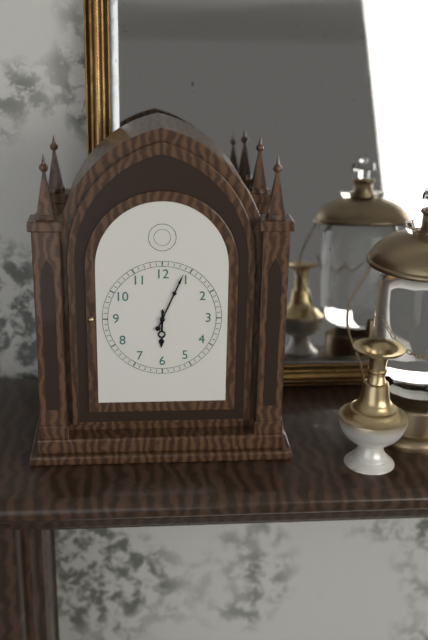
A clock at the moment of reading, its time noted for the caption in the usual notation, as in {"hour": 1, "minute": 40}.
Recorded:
{"hour": 6, "minute": 4}
